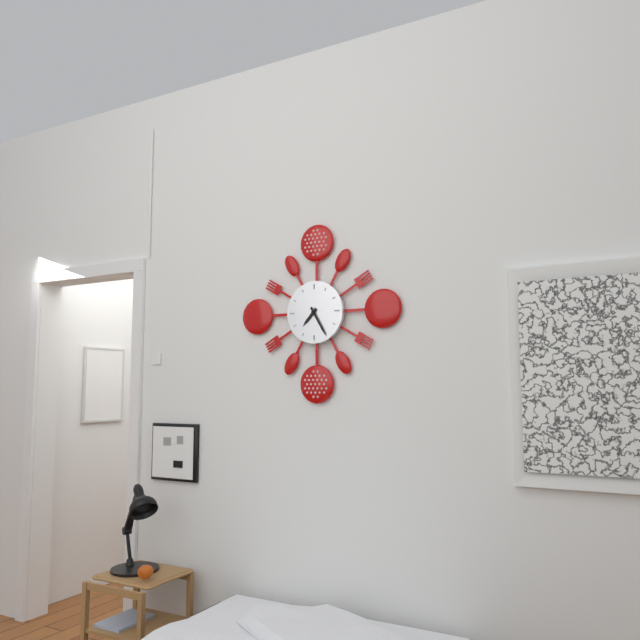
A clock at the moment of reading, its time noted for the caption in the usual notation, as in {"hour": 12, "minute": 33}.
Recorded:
{"hour": 7, "minute": 25}
